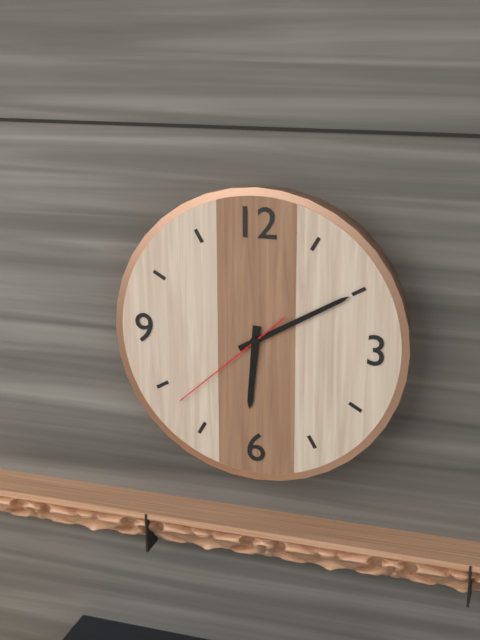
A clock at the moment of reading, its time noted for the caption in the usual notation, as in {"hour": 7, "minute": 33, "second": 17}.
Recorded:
{"hour": 6, "minute": 10, "second": 38}
